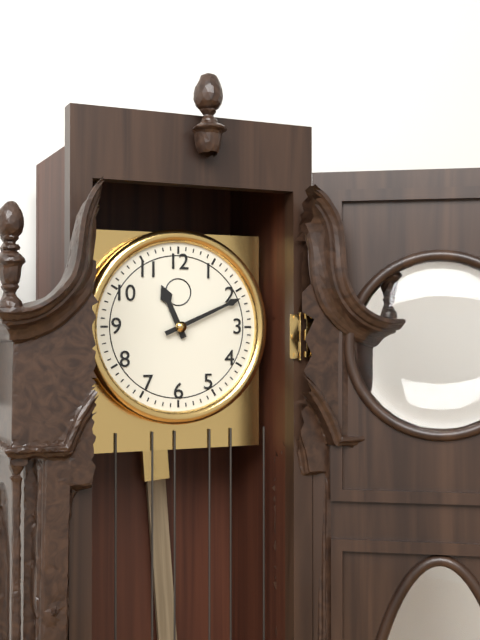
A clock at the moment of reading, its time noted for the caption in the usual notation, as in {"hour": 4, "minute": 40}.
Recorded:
{"hour": 11, "minute": 11}
